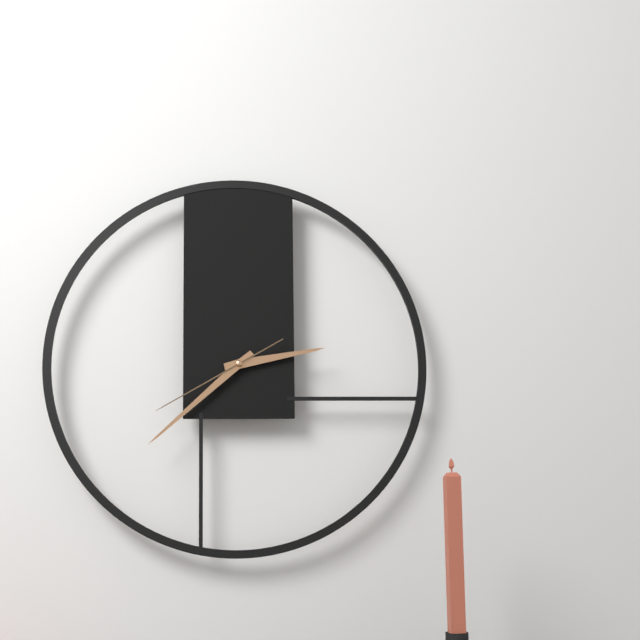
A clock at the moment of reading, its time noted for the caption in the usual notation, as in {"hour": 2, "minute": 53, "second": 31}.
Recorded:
{"hour": 2, "minute": 38, "second": 40}
